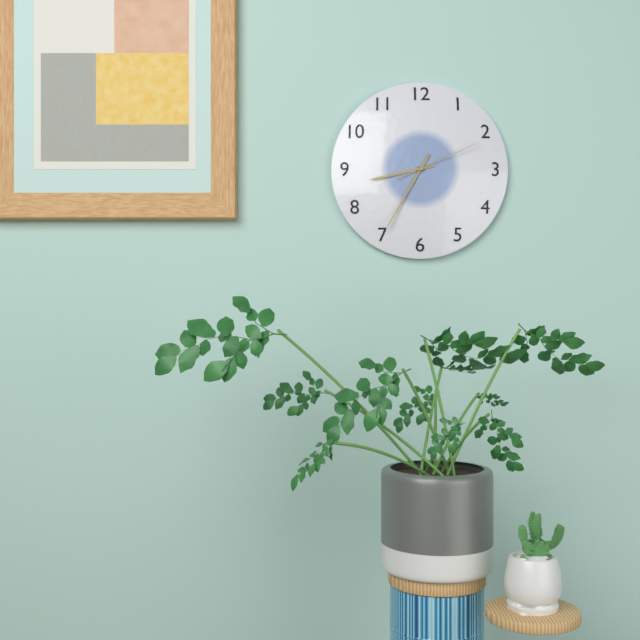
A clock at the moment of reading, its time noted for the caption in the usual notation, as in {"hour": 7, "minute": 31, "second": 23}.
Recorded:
{"hour": 8, "minute": 35, "second": 11}
